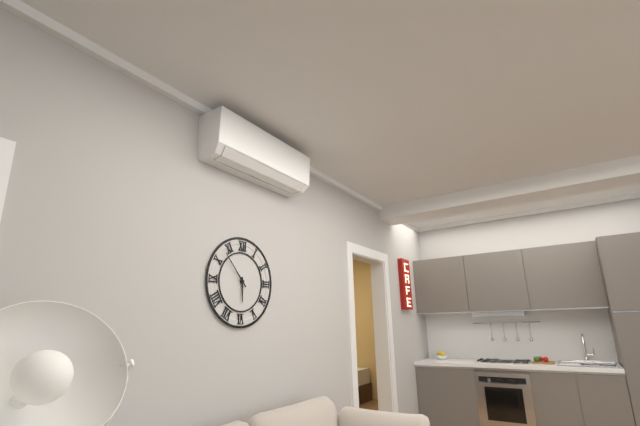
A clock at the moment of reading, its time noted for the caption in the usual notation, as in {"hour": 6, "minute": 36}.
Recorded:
{"hour": 5, "minute": 53}
